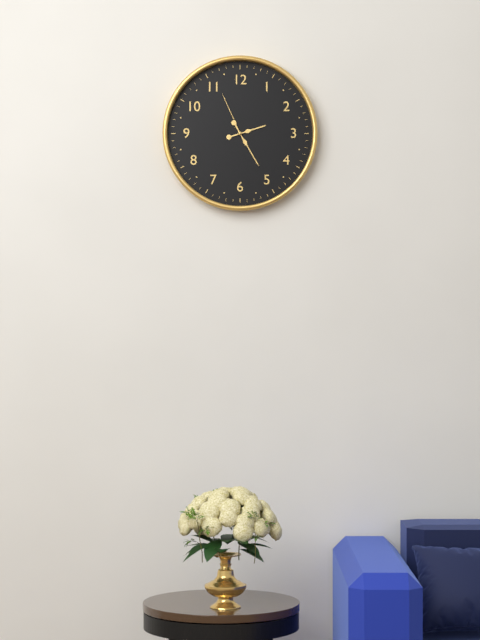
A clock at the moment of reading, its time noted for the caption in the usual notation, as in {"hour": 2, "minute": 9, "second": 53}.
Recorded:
{"hour": 2, "minute": 25, "second": 56}
